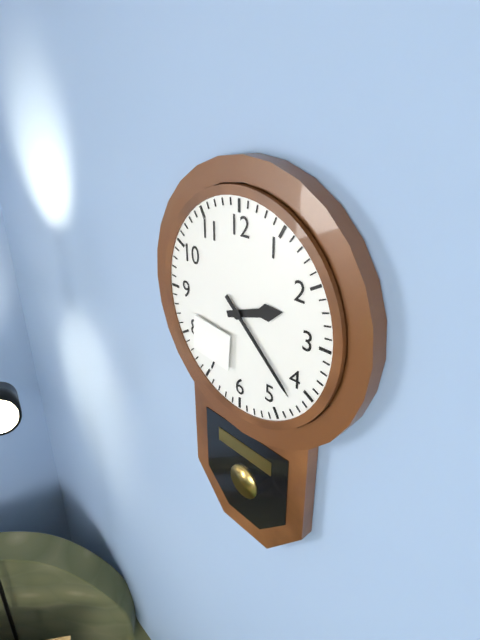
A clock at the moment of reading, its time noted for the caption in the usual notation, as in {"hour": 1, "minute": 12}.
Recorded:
{"hour": 2, "minute": 22}
